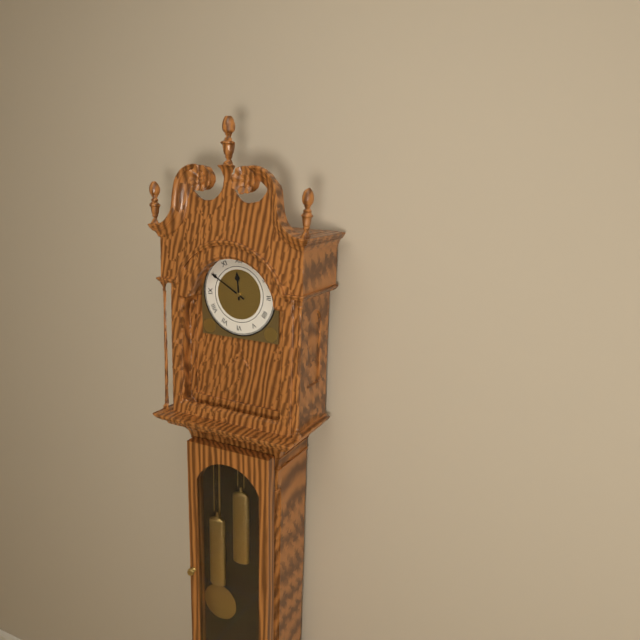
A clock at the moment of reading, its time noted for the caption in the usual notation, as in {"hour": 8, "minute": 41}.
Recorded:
{"hour": 11, "minute": 50}
